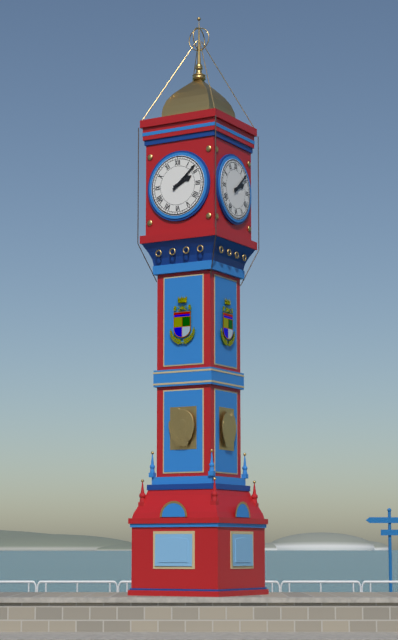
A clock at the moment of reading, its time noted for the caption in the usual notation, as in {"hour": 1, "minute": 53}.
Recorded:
{"hour": 2, "minute": 8}
